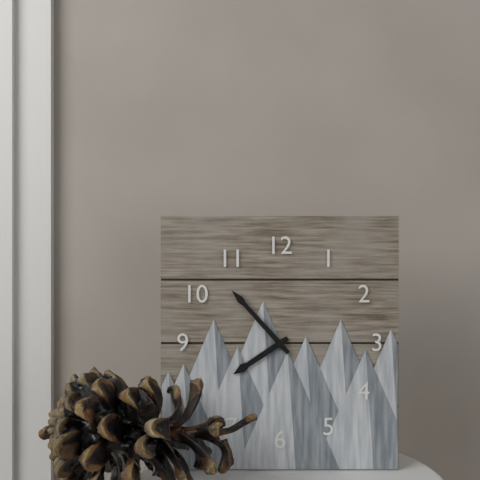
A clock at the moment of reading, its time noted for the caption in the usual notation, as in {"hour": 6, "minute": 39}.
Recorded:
{"hour": 7, "minute": 53}
